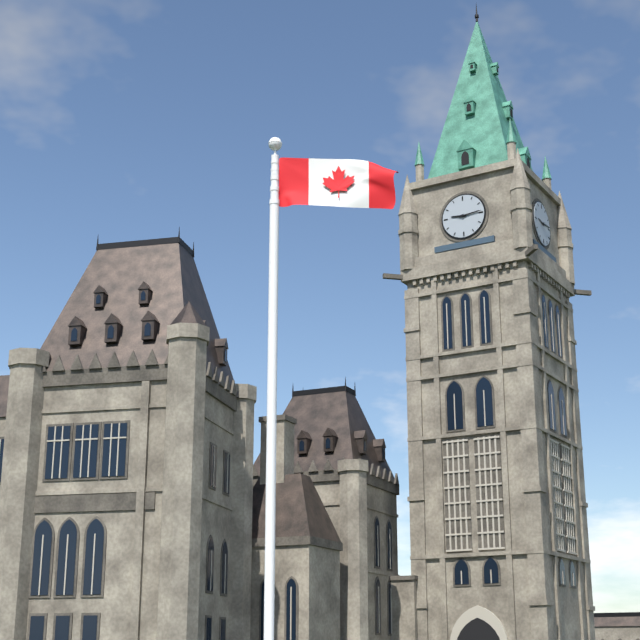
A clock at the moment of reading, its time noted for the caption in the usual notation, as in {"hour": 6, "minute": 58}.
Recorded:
{"hour": 9, "minute": 14}
